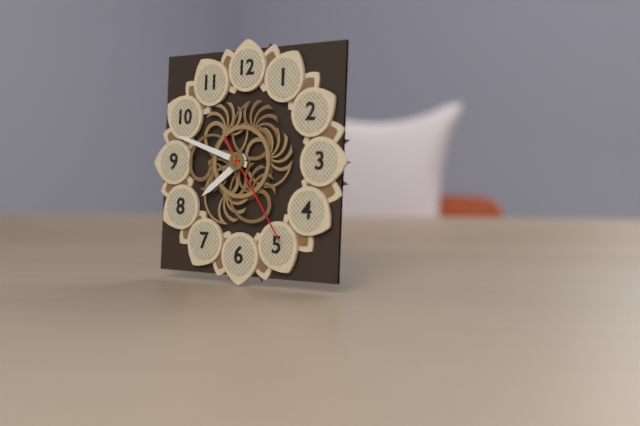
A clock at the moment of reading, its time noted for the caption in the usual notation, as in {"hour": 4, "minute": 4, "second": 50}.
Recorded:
{"hour": 7, "minute": 48, "second": 24}
